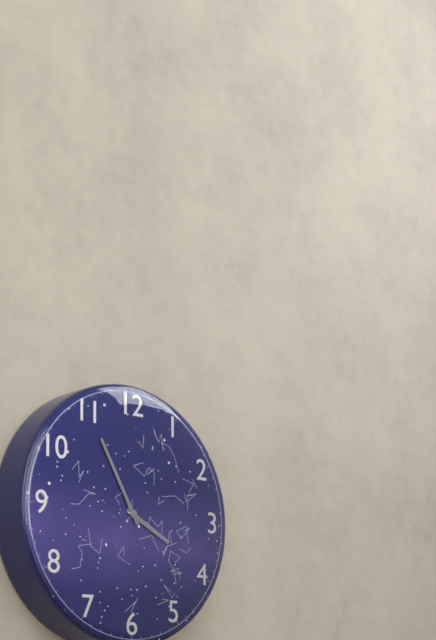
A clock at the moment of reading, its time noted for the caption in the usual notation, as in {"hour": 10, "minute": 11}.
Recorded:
{"hour": 3, "minute": 55}
